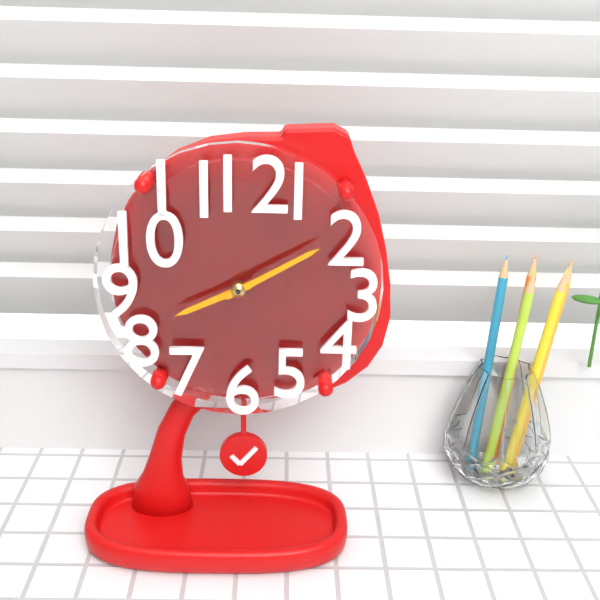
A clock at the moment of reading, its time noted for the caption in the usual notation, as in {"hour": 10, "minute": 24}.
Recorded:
{"hour": 8, "minute": 10}
